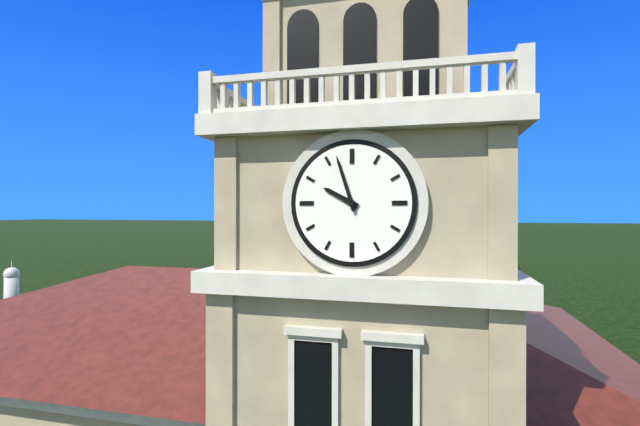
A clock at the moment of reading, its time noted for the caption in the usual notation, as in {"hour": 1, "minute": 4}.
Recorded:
{"hour": 9, "minute": 57}
